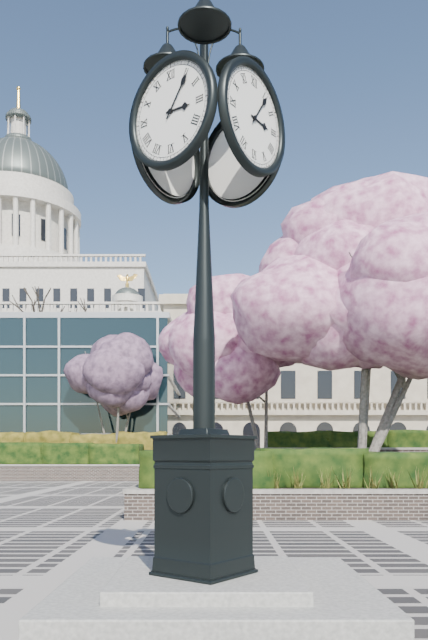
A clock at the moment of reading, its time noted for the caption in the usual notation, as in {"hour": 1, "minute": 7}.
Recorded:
{"hour": 3, "minute": 6}
